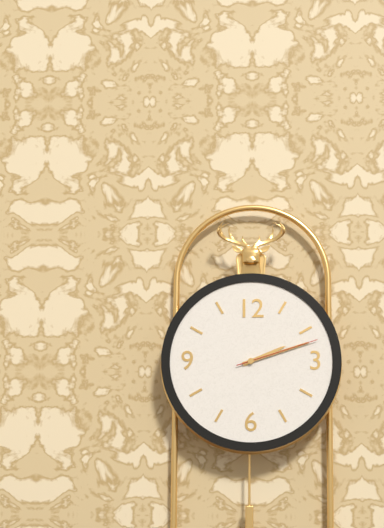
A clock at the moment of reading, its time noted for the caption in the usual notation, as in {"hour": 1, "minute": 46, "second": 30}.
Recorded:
{"hour": 2, "minute": 12, "second": 12}
